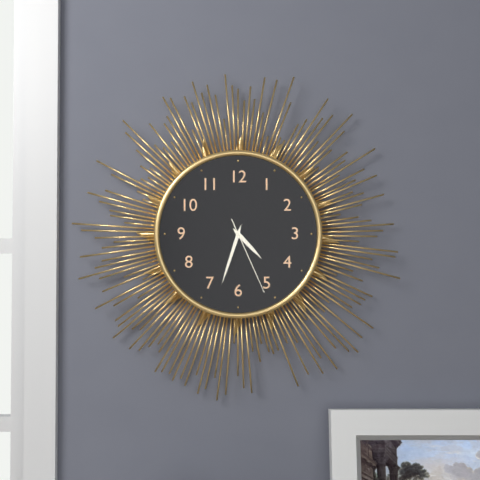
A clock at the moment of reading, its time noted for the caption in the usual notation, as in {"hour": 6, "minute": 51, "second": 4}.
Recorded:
{"hour": 4, "minute": 33, "second": 26}
